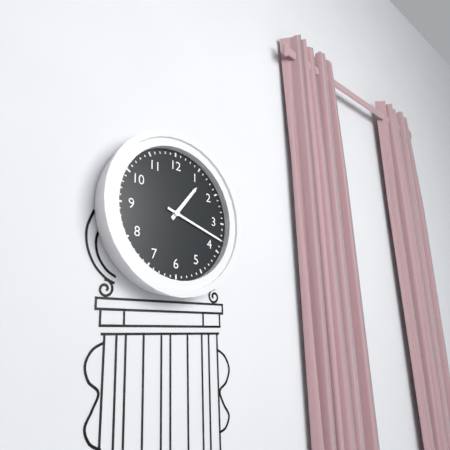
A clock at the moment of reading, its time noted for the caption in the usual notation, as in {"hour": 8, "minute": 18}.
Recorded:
{"hour": 1, "minute": 18}
